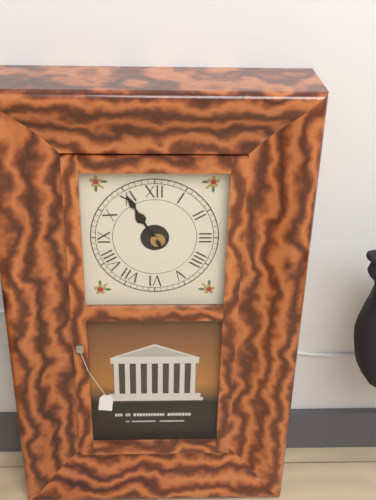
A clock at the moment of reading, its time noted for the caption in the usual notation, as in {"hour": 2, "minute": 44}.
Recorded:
{"hour": 10, "minute": 55}
